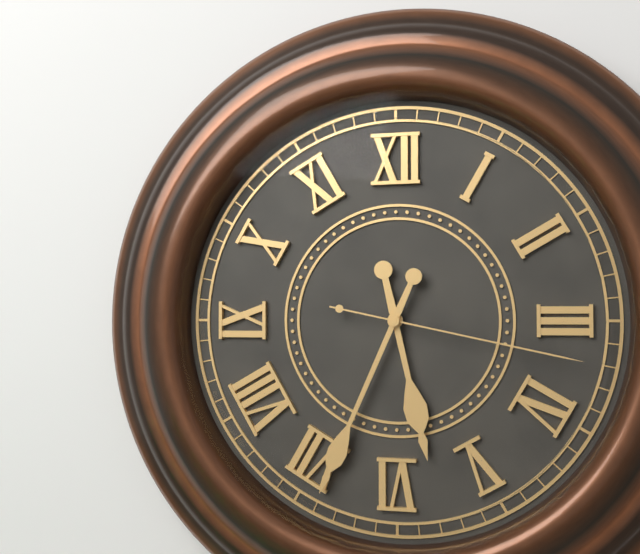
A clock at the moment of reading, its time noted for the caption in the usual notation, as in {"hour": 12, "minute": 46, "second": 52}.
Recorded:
{"hour": 5, "minute": 34, "second": 17}
